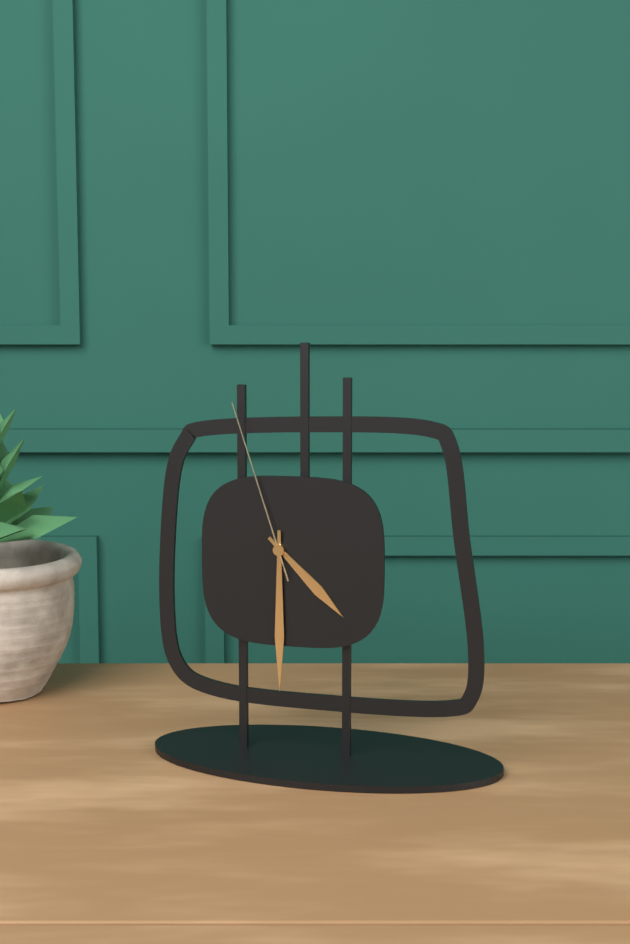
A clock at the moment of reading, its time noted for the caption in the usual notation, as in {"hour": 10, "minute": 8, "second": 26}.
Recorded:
{"hour": 4, "minute": 30, "second": 57}
